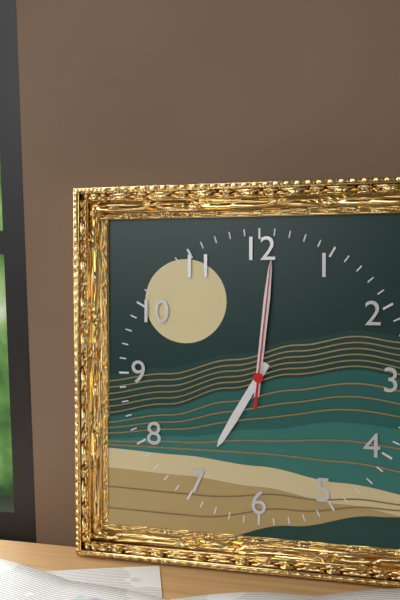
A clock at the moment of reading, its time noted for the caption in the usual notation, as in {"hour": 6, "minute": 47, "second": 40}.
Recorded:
{"hour": 7, "minute": 1, "second": 1}
